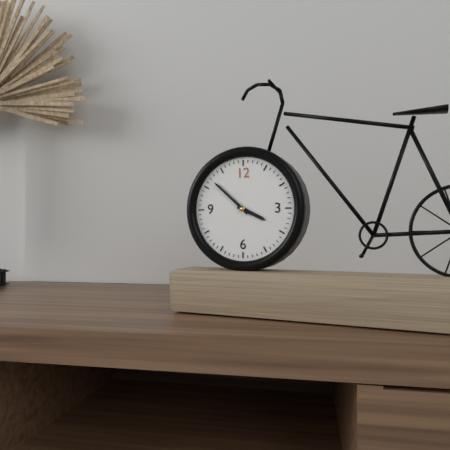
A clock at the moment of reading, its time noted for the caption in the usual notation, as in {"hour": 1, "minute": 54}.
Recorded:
{"hour": 3, "minute": 52}
